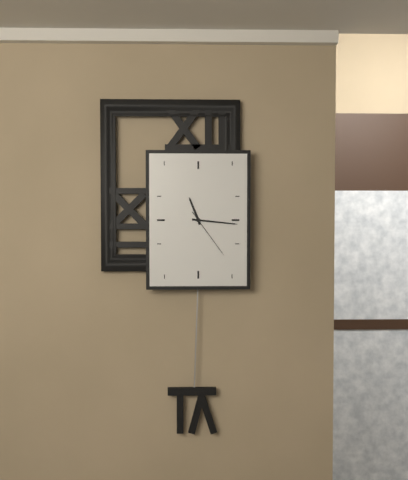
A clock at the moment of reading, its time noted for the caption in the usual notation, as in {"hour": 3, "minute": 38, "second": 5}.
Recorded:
{"hour": 11, "minute": 16, "second": 24}
